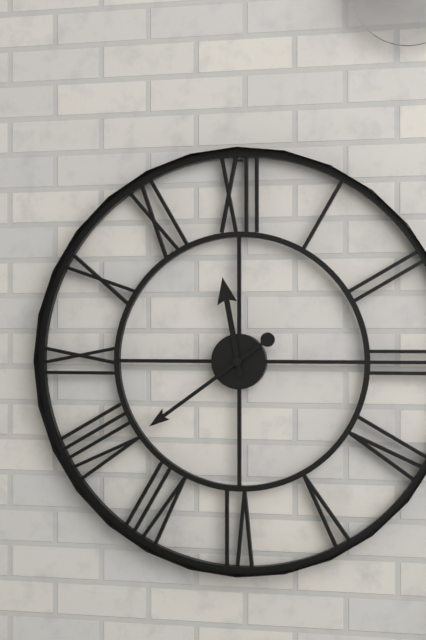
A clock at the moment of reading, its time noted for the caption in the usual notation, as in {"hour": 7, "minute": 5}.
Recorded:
{"hour": 11, "minute": 39}
